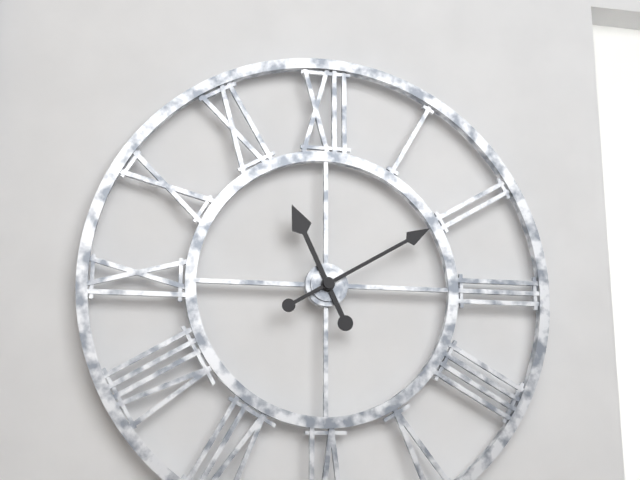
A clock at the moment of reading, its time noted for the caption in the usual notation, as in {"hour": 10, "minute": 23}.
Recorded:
{"hour": 11, "minute": 10}
